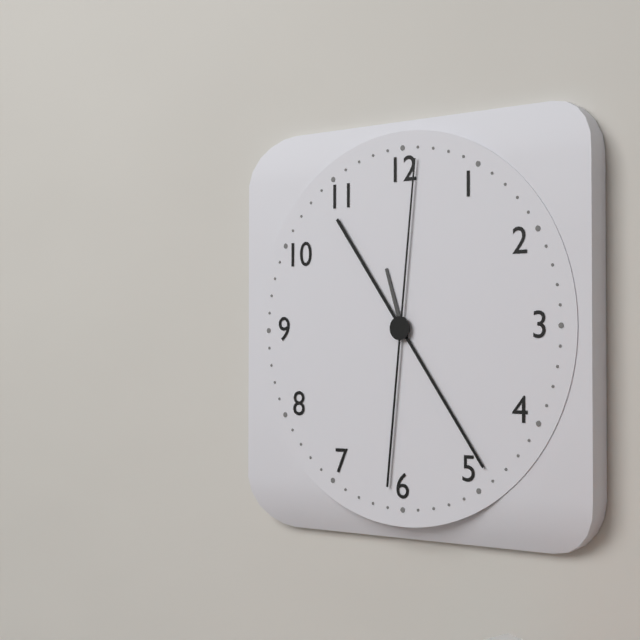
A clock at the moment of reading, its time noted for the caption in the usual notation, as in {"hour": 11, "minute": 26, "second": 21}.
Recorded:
{"hour": 11, "minute": 24, "second": 1}
